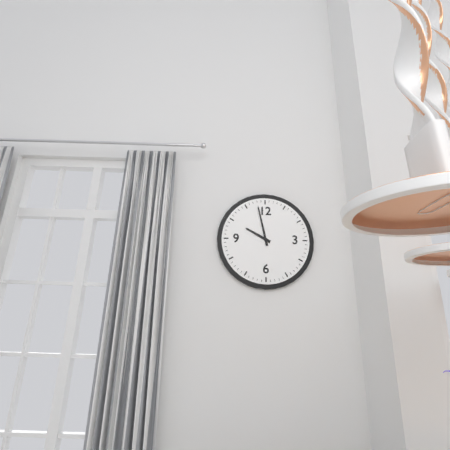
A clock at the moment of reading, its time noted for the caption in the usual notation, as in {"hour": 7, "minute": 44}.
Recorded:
{"hour": 9, "minute": 58}
